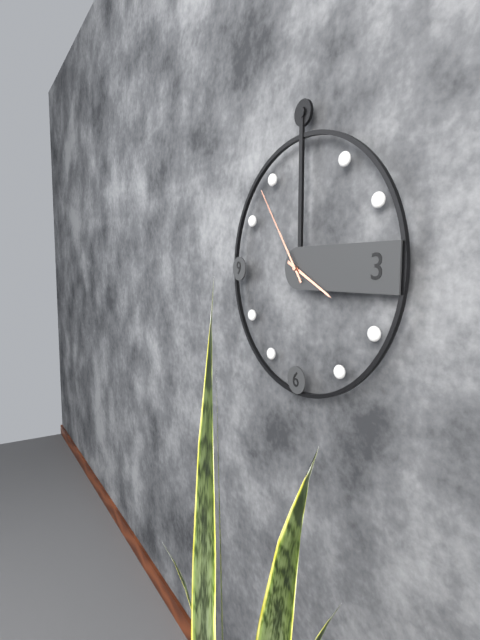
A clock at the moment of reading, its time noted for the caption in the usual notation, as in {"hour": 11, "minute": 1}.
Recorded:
{"hour": 3, "minute": 54}
